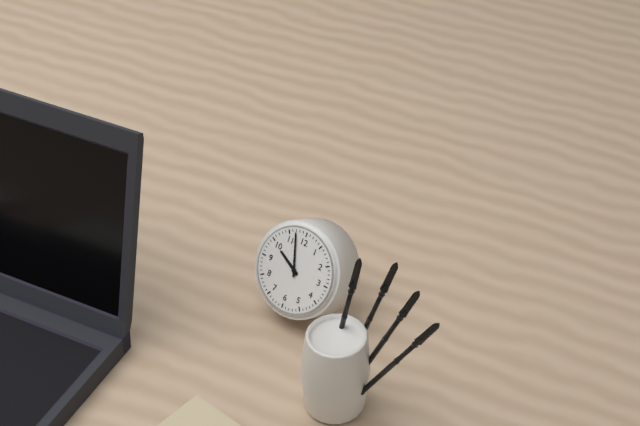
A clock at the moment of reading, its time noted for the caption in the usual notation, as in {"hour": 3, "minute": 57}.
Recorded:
{"hour": 9, "minute": 57}
